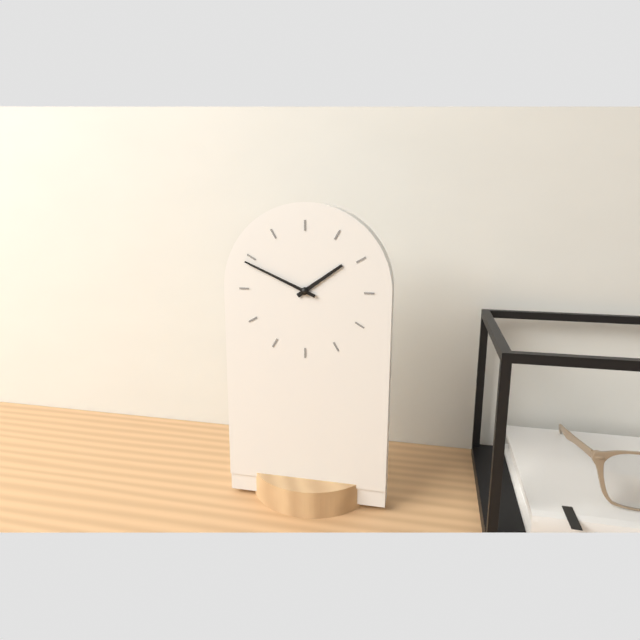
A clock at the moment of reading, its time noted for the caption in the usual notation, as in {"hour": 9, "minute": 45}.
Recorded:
{"hour": 1, "minute": 49}
